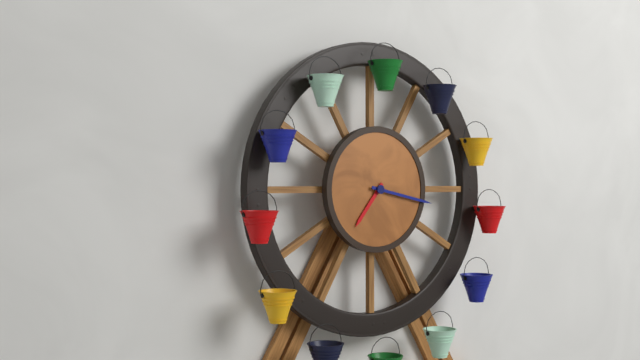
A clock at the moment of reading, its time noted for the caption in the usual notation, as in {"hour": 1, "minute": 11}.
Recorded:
{"hour": 7, "minute": 17}
